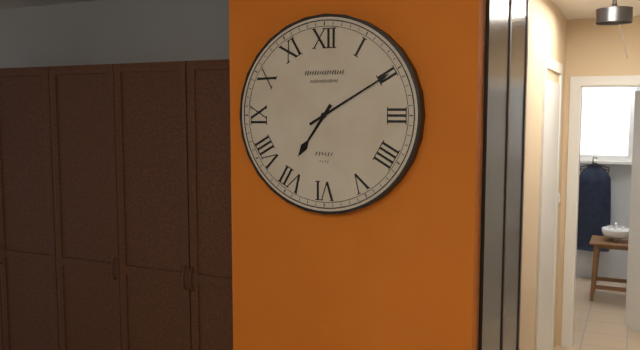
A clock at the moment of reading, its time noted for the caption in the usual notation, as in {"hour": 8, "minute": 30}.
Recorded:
{"hour": 7, "minute": 10}
